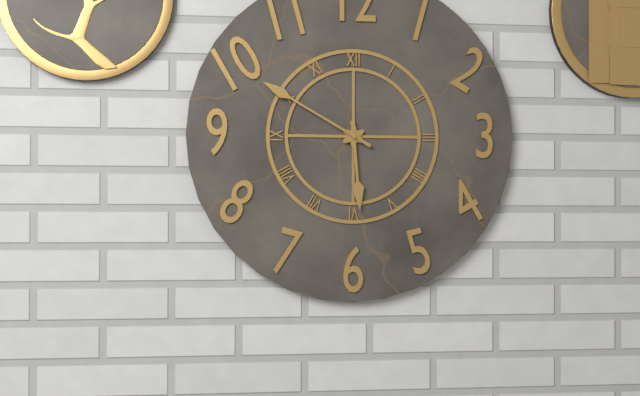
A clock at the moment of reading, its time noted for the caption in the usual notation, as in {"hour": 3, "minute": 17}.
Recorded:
{"hour": 5, "minute": 50}
